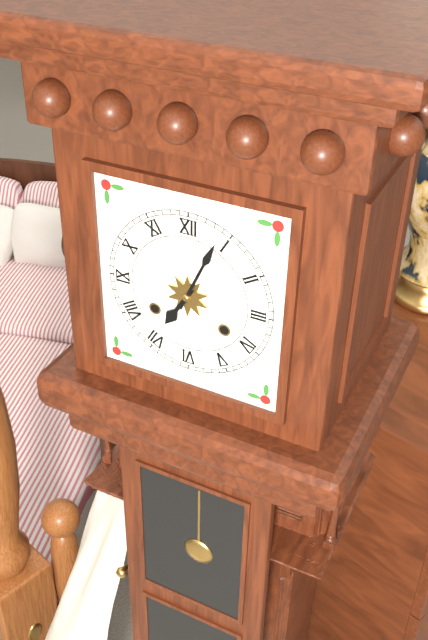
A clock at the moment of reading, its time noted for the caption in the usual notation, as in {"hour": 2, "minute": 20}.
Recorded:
{"hour": 7, "minute": 4}
